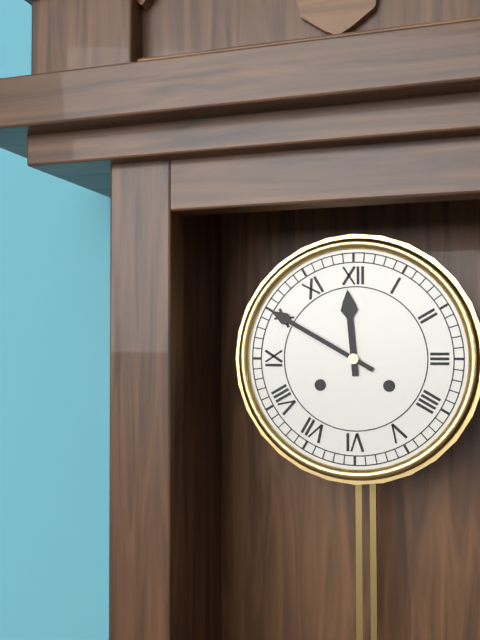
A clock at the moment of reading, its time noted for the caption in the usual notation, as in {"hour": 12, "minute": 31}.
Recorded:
{"hour": 11, "minute": 50}
